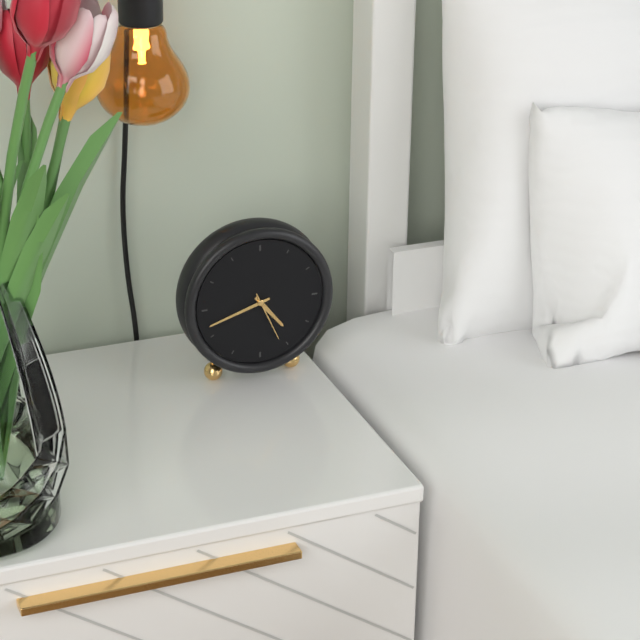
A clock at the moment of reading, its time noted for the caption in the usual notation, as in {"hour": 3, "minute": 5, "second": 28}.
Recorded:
{"hour": 4, "minute": 42, "second": 26}
